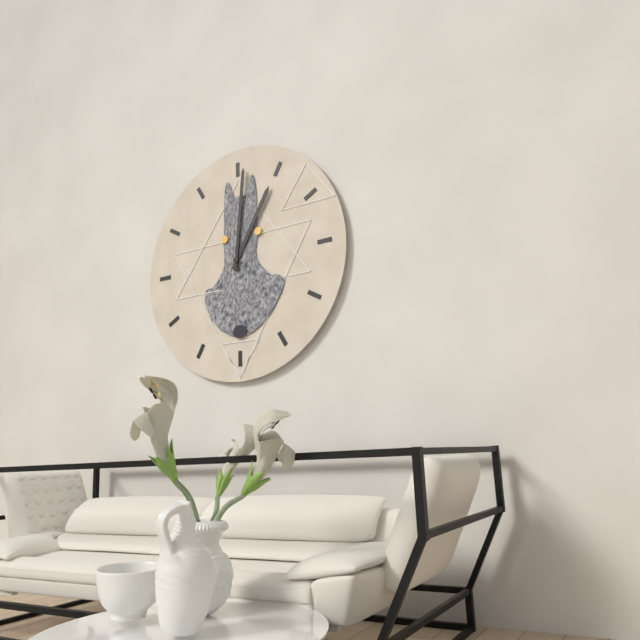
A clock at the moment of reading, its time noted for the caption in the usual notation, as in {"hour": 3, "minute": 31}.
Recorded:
{"hour": 1, "minute": 1}
